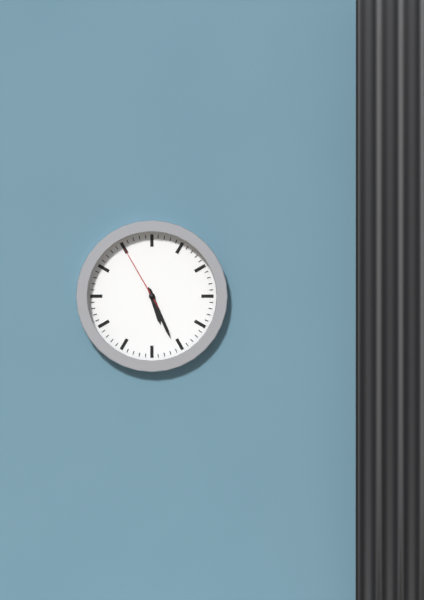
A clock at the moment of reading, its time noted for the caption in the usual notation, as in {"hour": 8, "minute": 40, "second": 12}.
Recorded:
{"hour": 5, "minute": 26, "second": 55}
